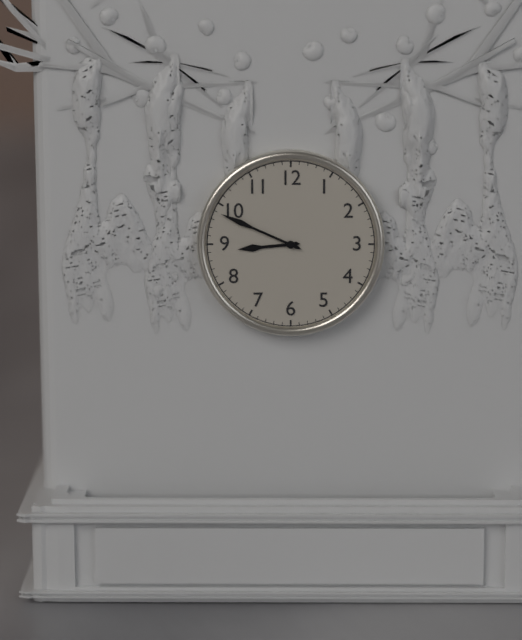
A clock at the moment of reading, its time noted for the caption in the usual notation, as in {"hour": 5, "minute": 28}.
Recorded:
{"hour": 8, "minute": 49}
